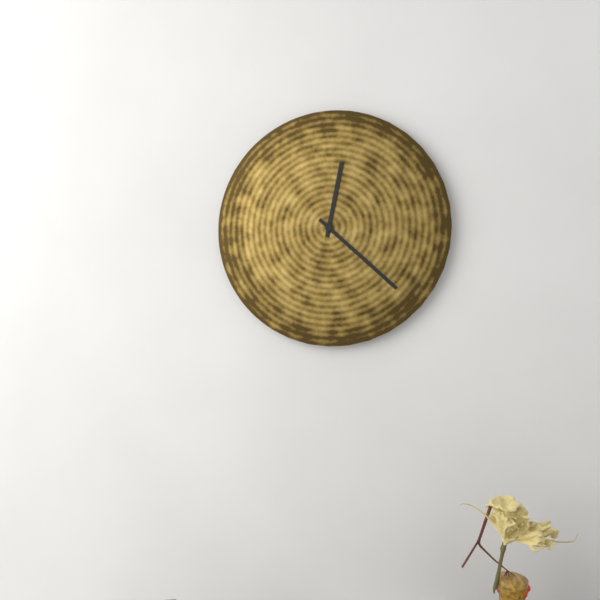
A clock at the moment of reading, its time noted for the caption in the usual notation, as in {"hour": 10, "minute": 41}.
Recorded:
{"hour": 12, "minute": 22}
